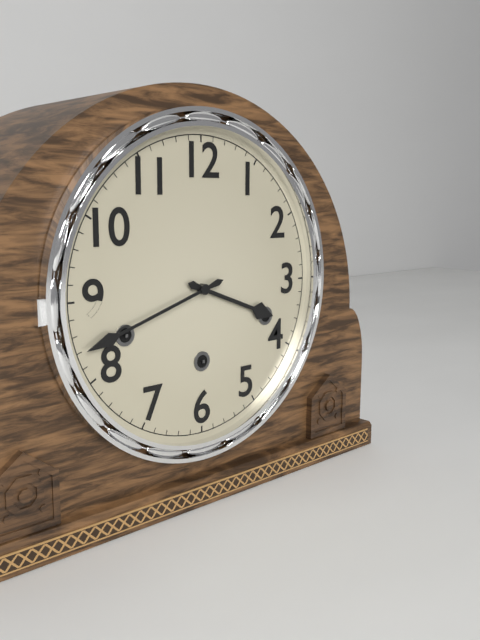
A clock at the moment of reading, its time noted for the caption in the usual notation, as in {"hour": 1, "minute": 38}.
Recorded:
{"hour": 3, "minute": 42}
